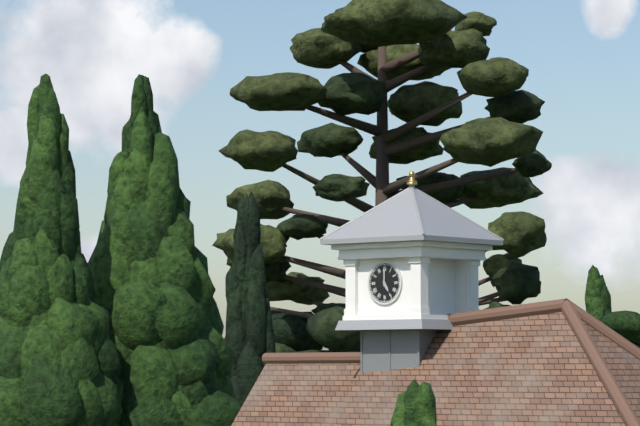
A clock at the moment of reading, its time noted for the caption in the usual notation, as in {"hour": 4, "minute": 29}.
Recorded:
{"hour": 5, "minute": 0}
